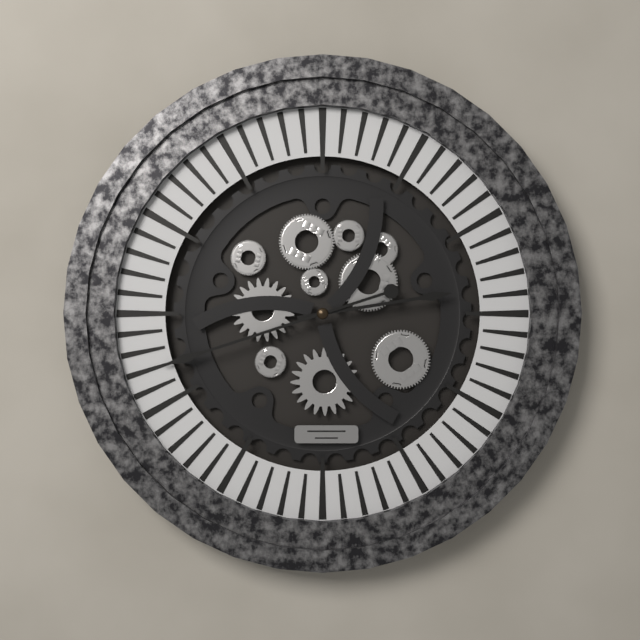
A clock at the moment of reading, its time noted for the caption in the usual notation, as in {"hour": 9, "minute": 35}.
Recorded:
{"hour": 2, "minute": 42}
